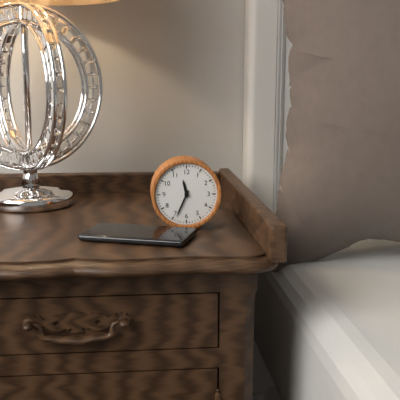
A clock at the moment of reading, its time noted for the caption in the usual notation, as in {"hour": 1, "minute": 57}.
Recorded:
{"hour": 11, "minute": 34}
